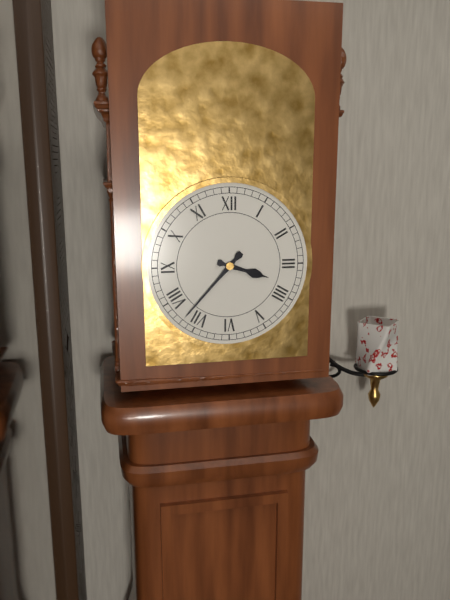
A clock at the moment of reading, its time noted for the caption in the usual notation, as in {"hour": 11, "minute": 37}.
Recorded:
{"hour": 3, "minute": 37}
